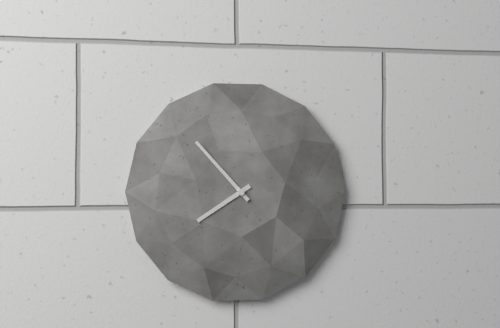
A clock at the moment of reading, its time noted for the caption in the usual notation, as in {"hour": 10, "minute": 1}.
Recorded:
{"hour": 7, "minute": 53}
